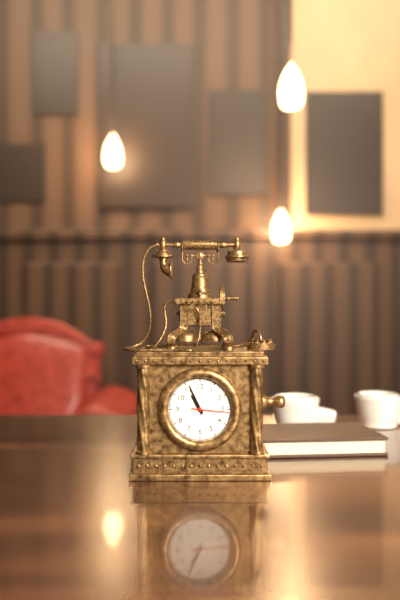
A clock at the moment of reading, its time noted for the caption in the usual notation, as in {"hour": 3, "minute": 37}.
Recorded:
{"hour": 10, "minute": 56}
